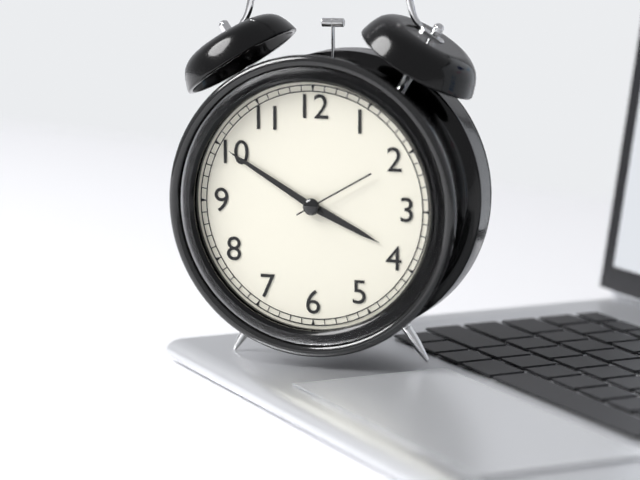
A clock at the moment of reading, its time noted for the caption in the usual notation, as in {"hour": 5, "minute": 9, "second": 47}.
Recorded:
{"hour": 3, "minute": 50, "second": 10}
